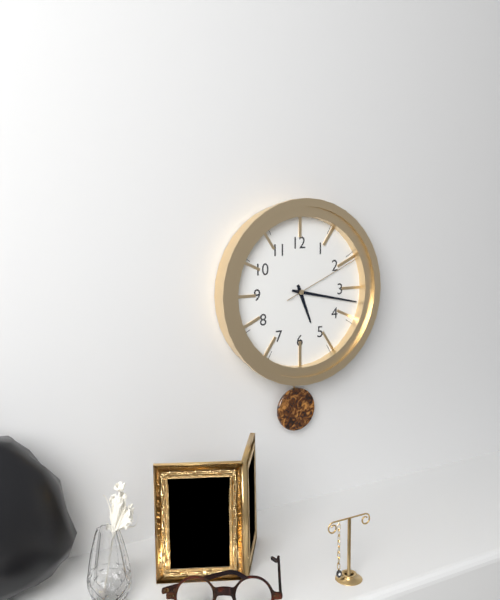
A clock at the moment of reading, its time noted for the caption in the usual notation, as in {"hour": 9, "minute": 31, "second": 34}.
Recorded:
{"hour": 5, "minute": 17, "second": 11}
